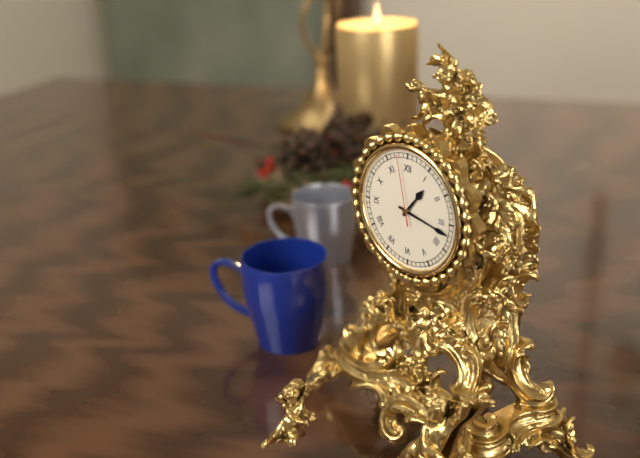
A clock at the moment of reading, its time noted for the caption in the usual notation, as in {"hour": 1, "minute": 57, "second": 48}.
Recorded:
{"hour": 1, "minute": 17, "second": 58}
